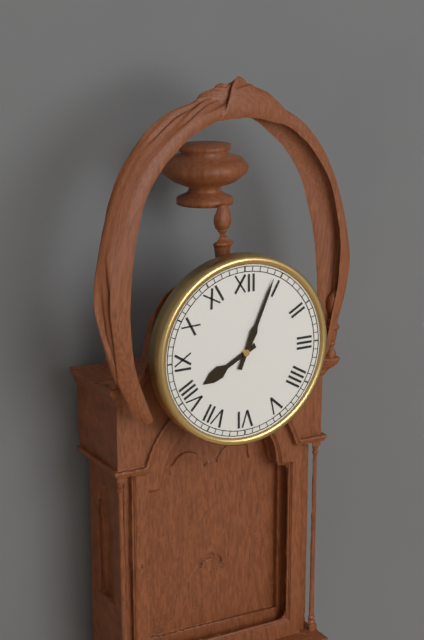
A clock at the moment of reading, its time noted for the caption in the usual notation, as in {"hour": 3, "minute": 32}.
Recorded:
{"hour": 8, "minute": 4}
